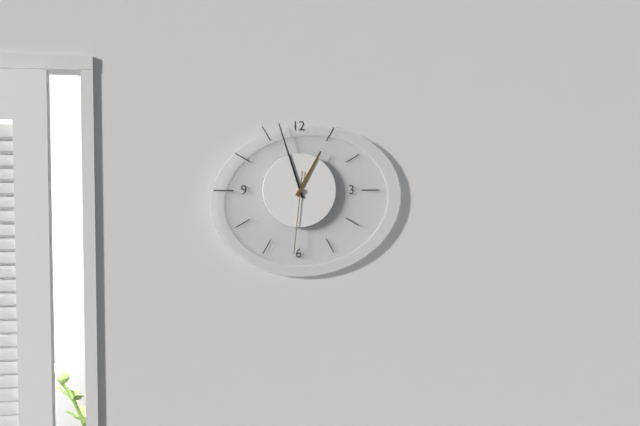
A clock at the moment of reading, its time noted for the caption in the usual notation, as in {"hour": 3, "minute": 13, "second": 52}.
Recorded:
{"hour": 12, "minute": 57, "second": 31}
